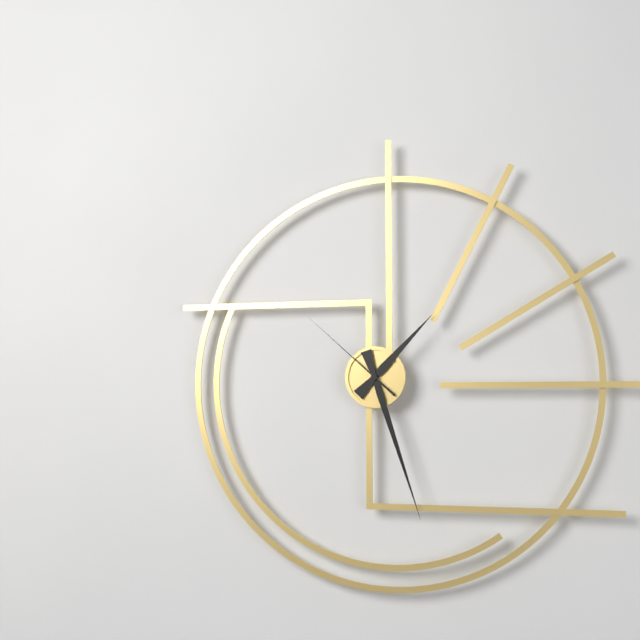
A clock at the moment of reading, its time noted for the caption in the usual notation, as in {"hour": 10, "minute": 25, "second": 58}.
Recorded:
{"hour": 1, "minute": 27, "second": 52}
